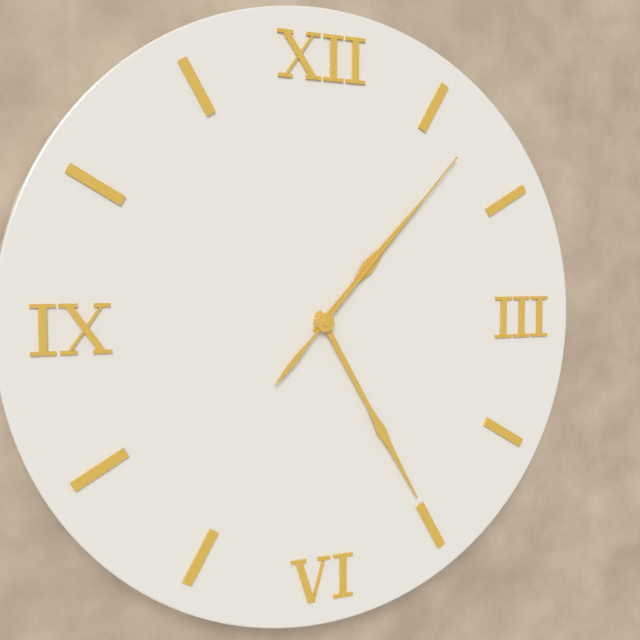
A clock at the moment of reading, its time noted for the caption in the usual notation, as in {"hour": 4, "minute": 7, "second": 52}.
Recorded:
{"hour": 1, "minute": 25, "second": 7}
